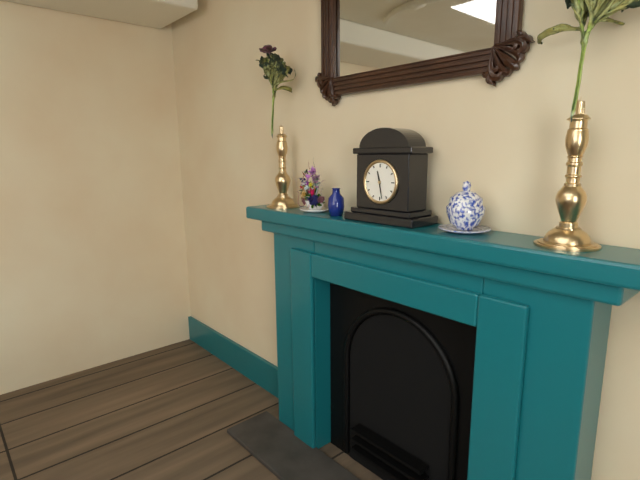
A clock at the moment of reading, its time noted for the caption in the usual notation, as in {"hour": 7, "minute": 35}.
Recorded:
{"hour": 11, "minute": 28}
